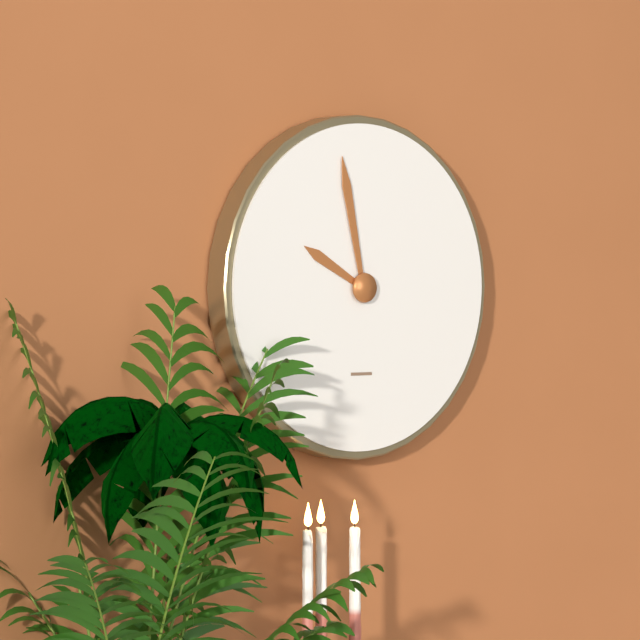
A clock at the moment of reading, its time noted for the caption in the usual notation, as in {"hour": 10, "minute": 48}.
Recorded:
{"hour": 9, "minute": 58}
